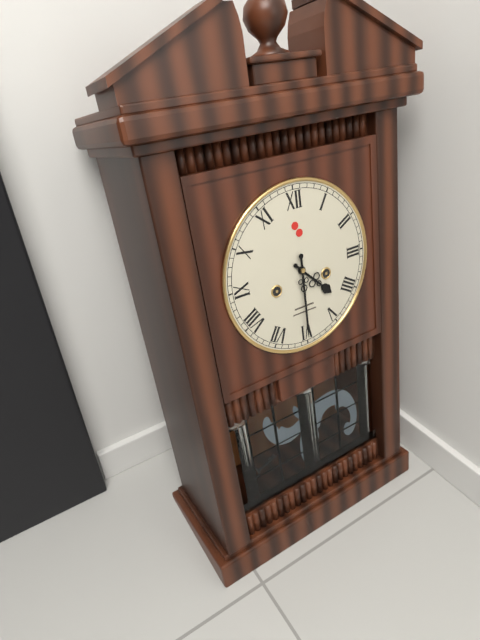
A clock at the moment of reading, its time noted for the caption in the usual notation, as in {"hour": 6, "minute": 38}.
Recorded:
{"hour": 4, "minute": 30}
